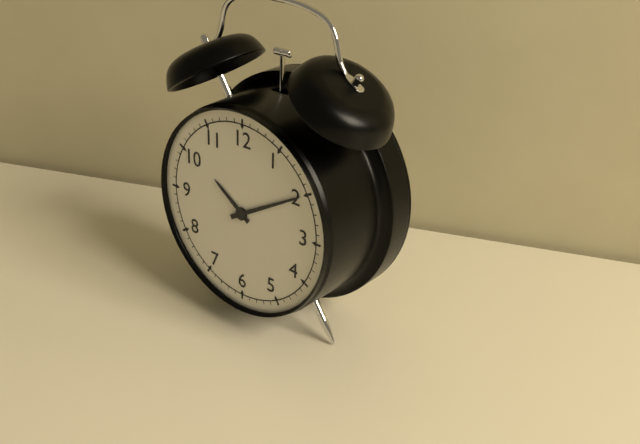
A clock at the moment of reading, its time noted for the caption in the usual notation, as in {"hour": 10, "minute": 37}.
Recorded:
{"hour": 10, "minute": 10}
